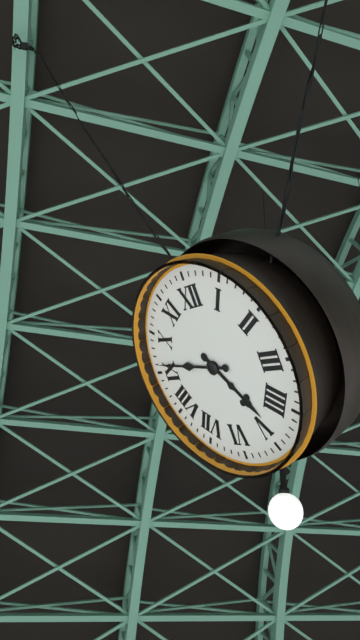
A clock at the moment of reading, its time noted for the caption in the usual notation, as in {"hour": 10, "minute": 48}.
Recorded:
{"hour": 4, "minute": 46}
